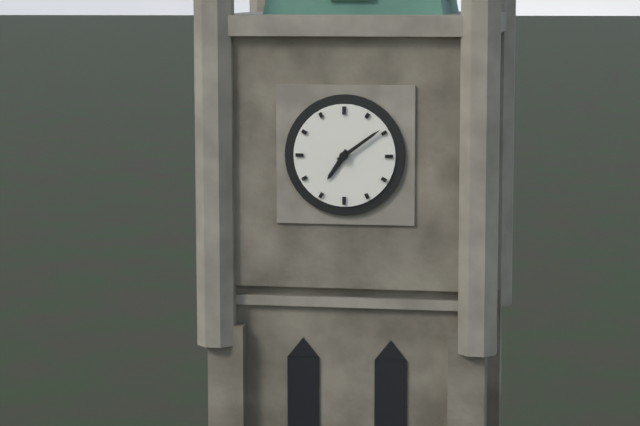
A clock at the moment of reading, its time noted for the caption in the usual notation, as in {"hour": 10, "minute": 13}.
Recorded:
{"hour": 7, "minute": 9}
